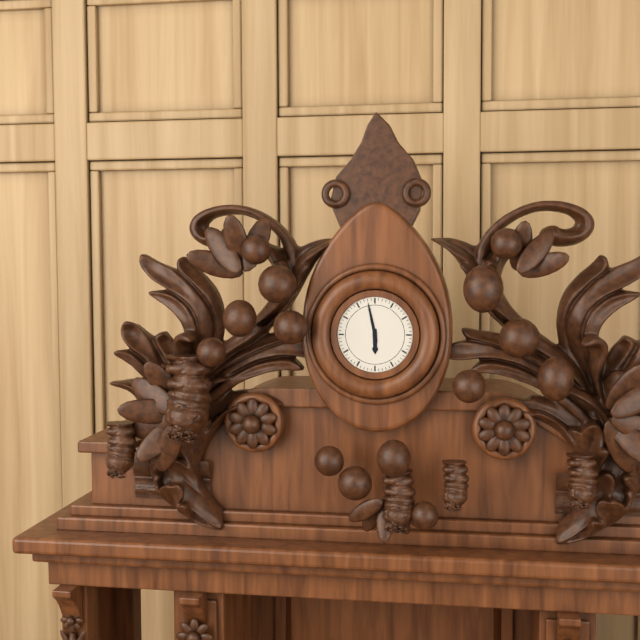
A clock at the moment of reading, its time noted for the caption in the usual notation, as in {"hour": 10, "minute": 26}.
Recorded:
{"hour": 5, "minute": 58}
